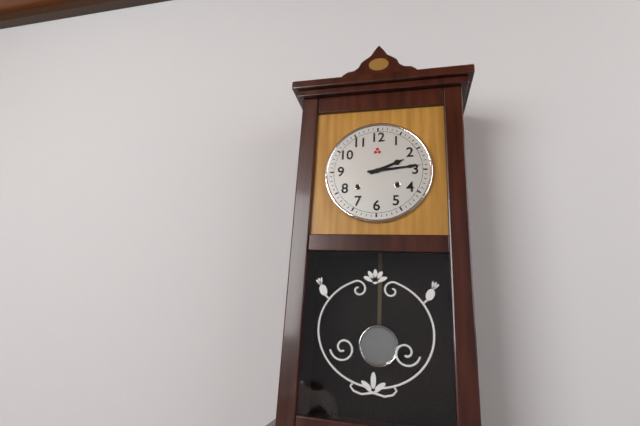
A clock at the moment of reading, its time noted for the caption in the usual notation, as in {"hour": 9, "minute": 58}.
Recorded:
{"hour": 2, "minute": 14}
